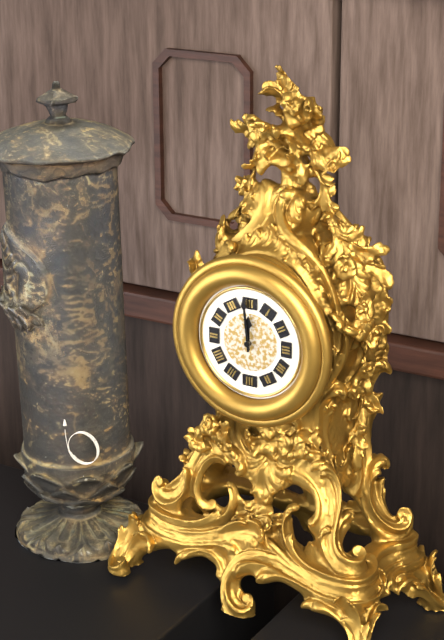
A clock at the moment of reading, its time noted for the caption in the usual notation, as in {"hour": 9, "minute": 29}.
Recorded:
{"hour": 11, "minute": 59}
